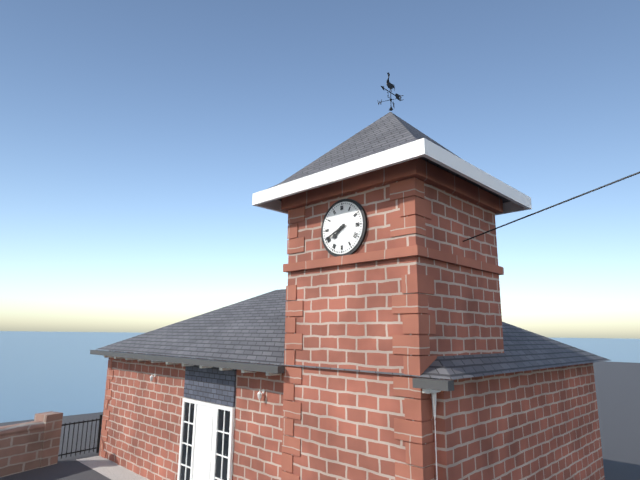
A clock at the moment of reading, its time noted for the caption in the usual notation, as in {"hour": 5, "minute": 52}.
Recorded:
{"hour": 7, "minute": 41}
